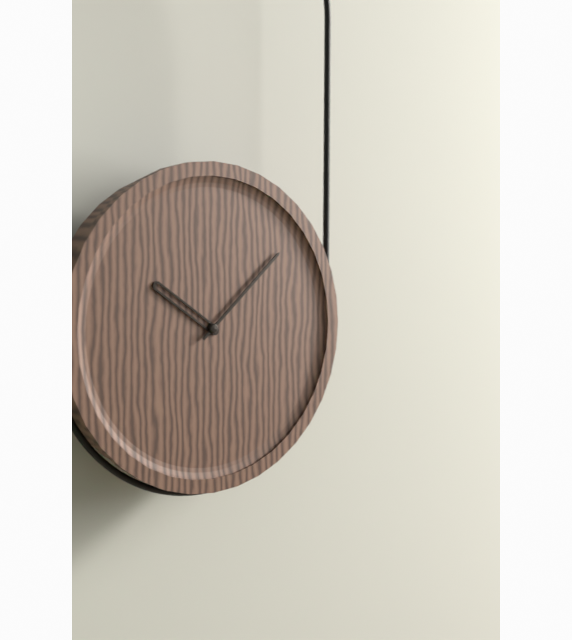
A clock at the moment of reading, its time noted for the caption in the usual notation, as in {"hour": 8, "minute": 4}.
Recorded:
{"hour": 10, "minute": 8}
